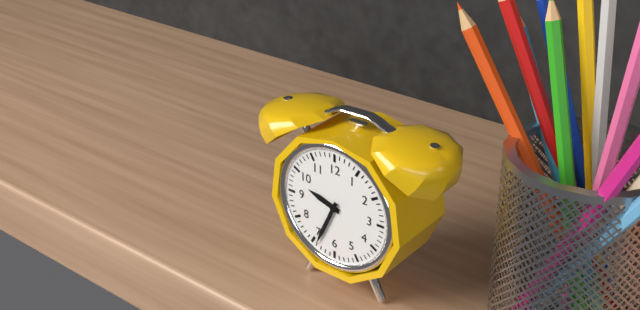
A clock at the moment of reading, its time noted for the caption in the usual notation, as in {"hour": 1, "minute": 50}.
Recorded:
{"hour": 9, "minute": 34}
